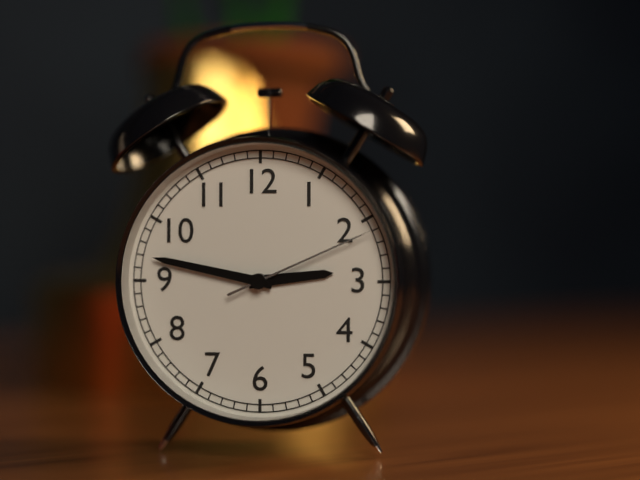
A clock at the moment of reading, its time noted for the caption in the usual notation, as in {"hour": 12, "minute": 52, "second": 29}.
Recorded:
{"hour": 2, "minute": 47, "second": 11}
